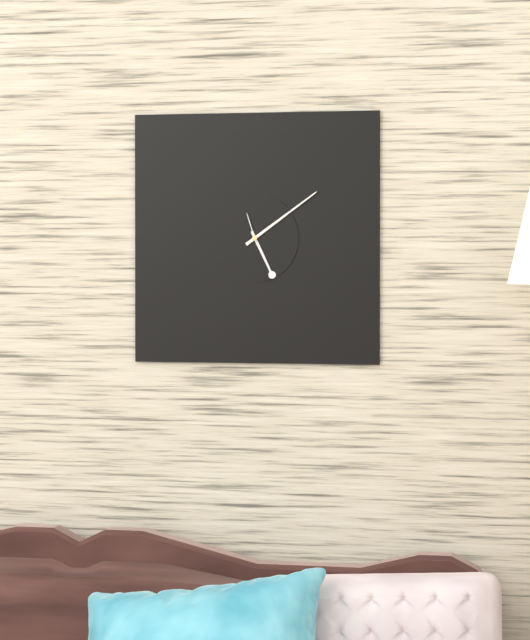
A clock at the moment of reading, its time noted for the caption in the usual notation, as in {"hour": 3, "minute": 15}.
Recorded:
{"hour": 5, "minute": 9}
